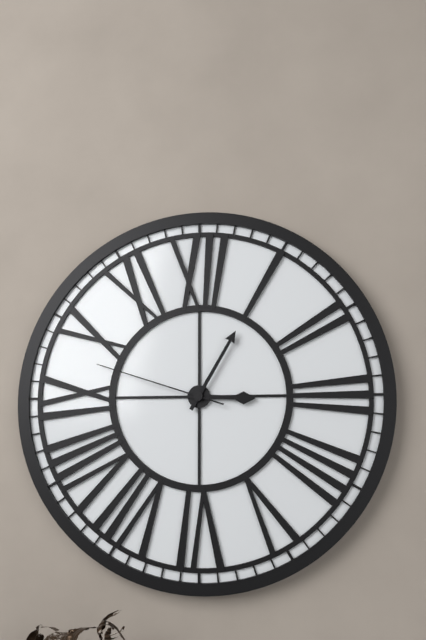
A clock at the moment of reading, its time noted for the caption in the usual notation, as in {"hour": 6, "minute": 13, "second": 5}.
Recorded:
{"hour": 3, "minute": 5, "second": 48}
